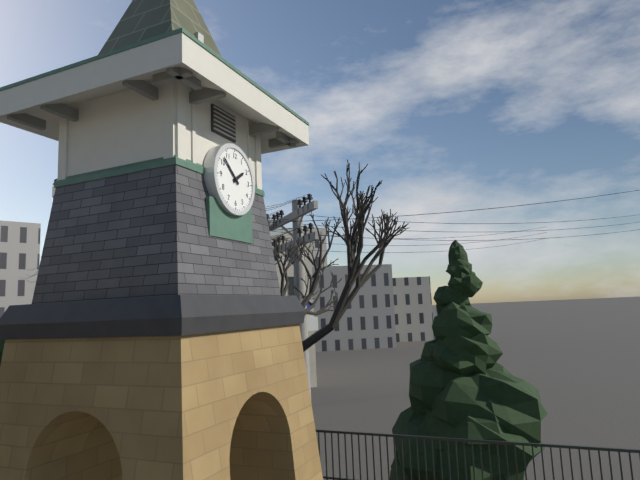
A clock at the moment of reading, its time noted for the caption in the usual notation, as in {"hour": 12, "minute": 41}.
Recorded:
{"hour": 1, "minute": 52}
